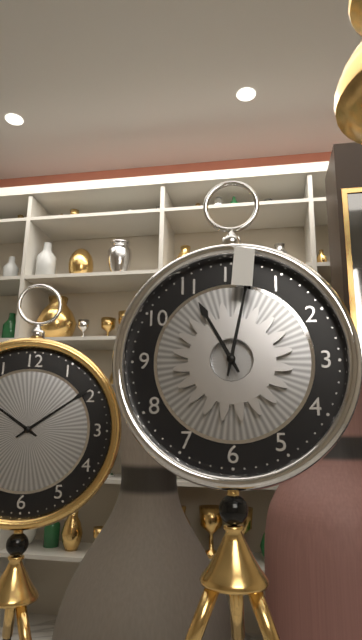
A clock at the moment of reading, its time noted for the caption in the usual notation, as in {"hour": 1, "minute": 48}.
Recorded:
{"hour": 11, "minute": 2}
